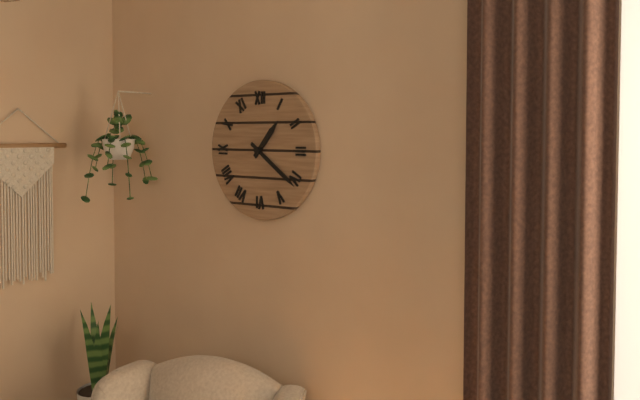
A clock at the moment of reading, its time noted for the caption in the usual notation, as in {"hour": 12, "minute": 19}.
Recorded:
{"hour": 1, "minute": 21}
